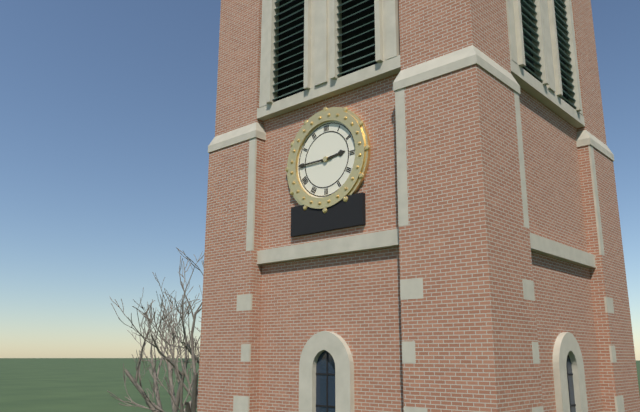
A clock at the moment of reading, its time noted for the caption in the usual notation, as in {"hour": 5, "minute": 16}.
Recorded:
{"hour": 2, "minute": 45}
